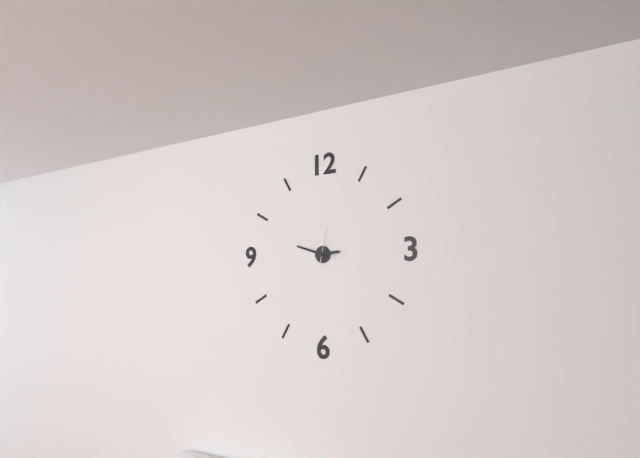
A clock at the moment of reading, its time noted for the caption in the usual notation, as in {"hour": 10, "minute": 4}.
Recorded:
{"hour": 2, "minute": 48}
